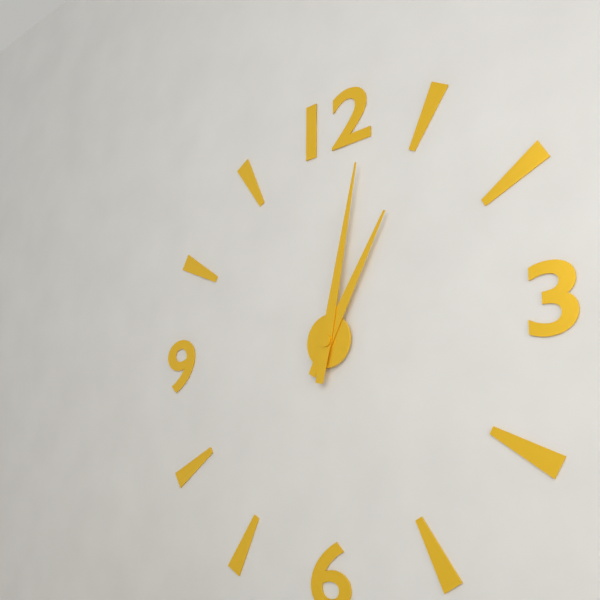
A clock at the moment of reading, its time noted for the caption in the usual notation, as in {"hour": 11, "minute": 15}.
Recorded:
{"hour": 1, "minute": 2}
